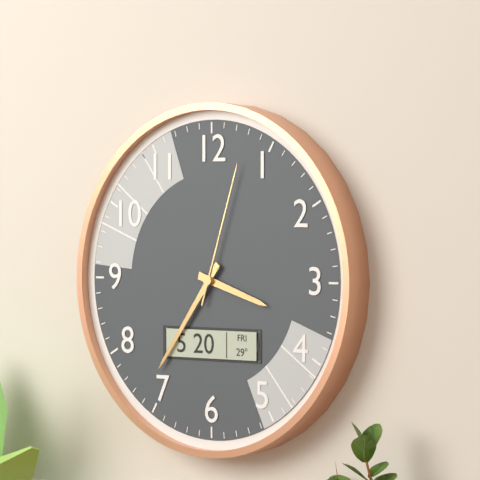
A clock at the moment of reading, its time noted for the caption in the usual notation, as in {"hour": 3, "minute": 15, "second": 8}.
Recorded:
{"hour": 3, "minute": 36, "second": 3}
